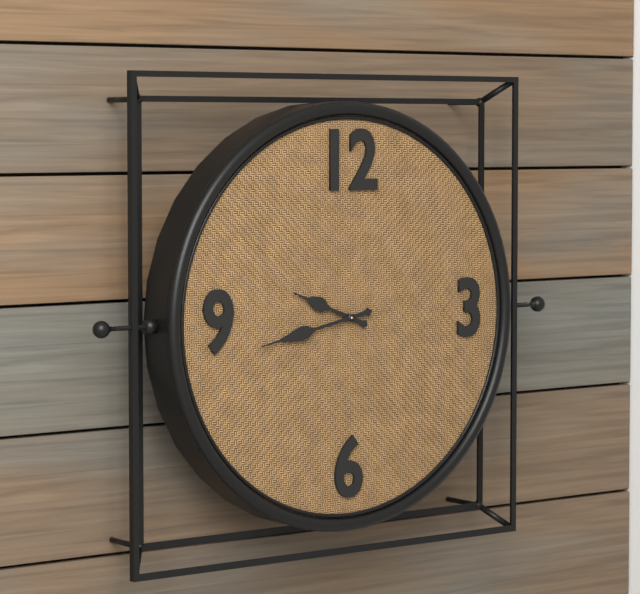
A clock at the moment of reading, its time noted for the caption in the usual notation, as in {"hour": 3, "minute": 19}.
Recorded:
{"hour": 9, "minute": 43}
